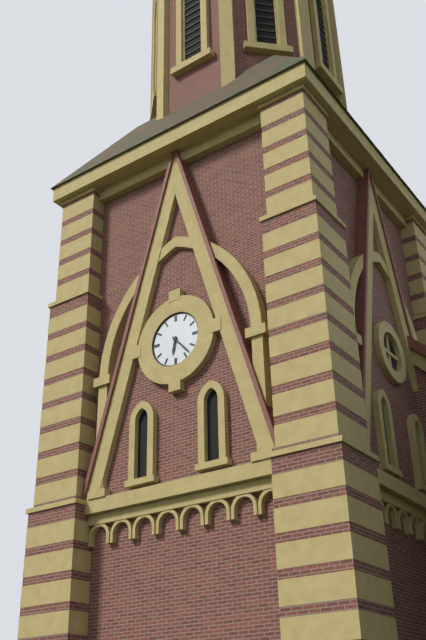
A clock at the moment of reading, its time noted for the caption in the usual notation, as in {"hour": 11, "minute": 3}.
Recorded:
{"hour": 6, "minute": 23}
